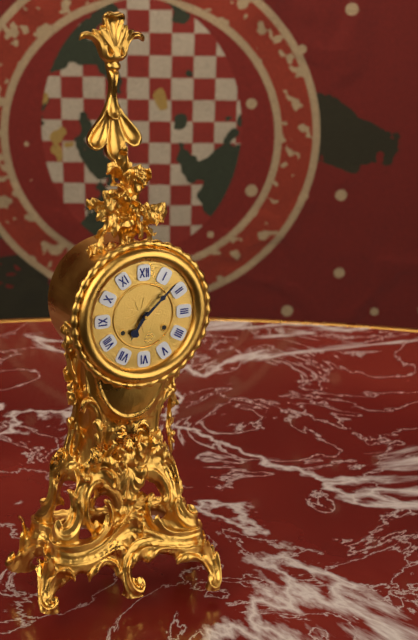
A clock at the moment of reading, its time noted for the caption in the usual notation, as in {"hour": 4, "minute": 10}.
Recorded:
{"hour": 7, "minute": 8}
